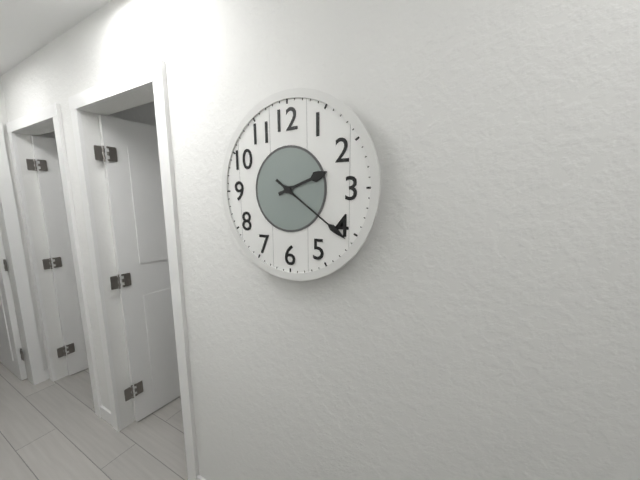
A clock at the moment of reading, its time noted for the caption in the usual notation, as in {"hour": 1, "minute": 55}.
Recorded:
{"hour": 2, "minute": 21}
